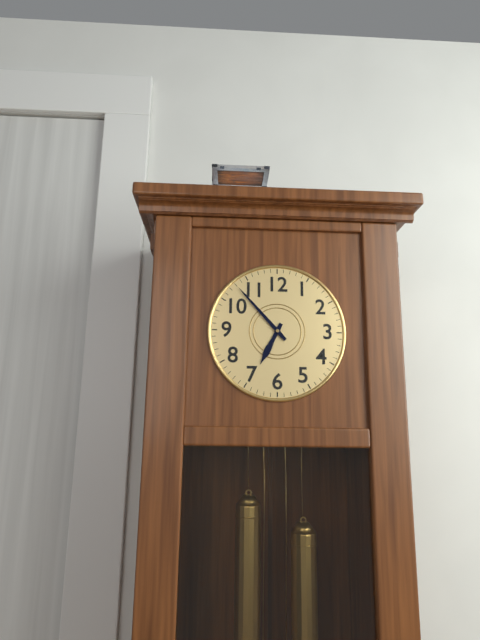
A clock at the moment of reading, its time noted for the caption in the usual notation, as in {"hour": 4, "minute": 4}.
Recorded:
{"hour": 6, "minute": 53}
